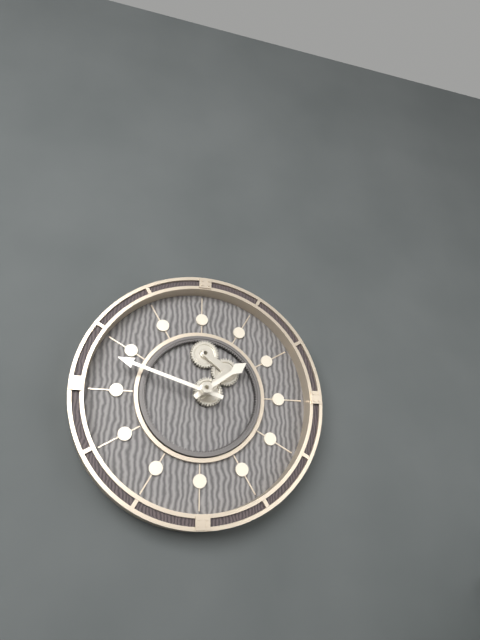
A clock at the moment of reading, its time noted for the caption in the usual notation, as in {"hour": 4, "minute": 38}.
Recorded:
{"hour": 1, "minute": 48}
